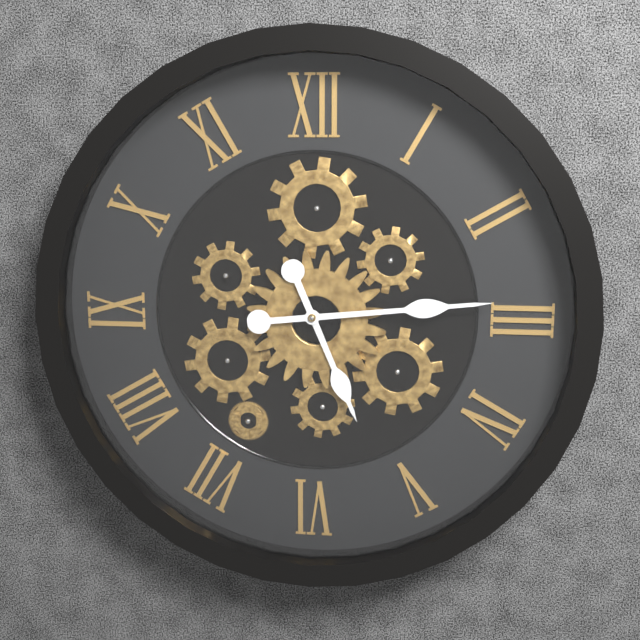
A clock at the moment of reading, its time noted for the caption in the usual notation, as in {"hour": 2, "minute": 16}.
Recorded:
{"hour": 5, "minute": 14}
